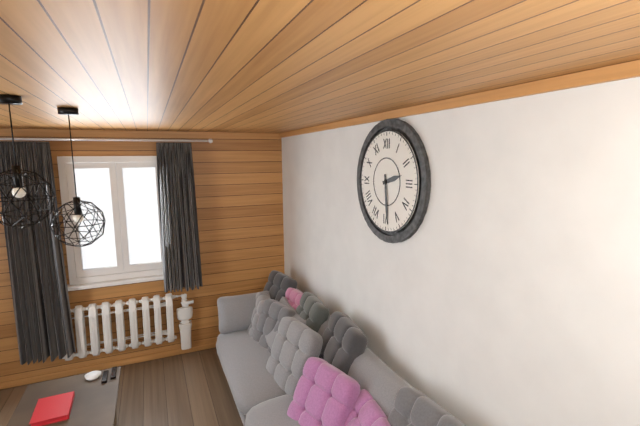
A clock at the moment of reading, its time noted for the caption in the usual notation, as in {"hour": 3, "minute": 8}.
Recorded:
{"hour": 2, "minute": 29}
